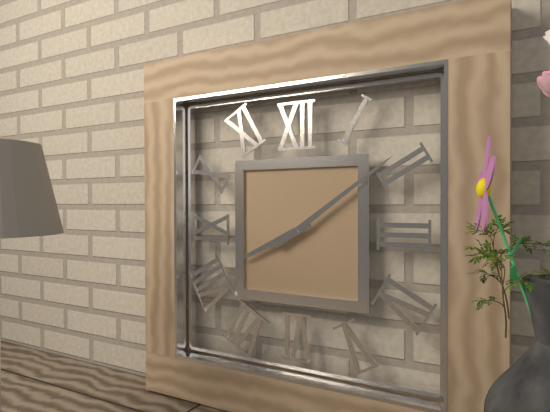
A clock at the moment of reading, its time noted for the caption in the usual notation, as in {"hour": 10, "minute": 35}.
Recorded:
{"hour": 8, "minute": 9}
